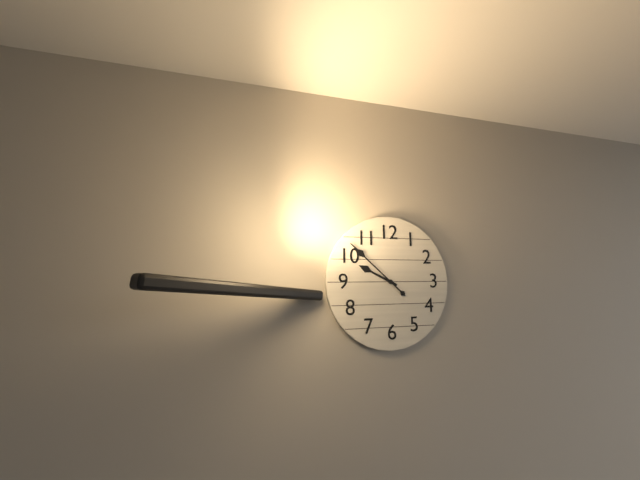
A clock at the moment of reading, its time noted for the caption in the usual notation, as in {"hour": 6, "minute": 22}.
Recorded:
{"hour": 9, "minute": 52}
